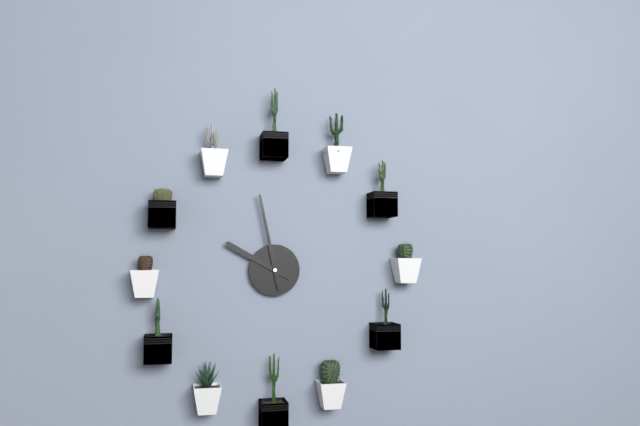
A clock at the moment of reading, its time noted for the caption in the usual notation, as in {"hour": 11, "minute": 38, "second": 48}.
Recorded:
{"hour": 9, "minute": 58, "second": 58}
